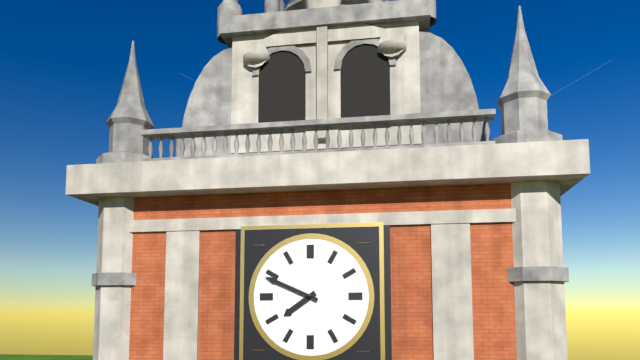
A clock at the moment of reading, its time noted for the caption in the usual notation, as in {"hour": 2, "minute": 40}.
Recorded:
{"hour": 7, "minute": 49}
